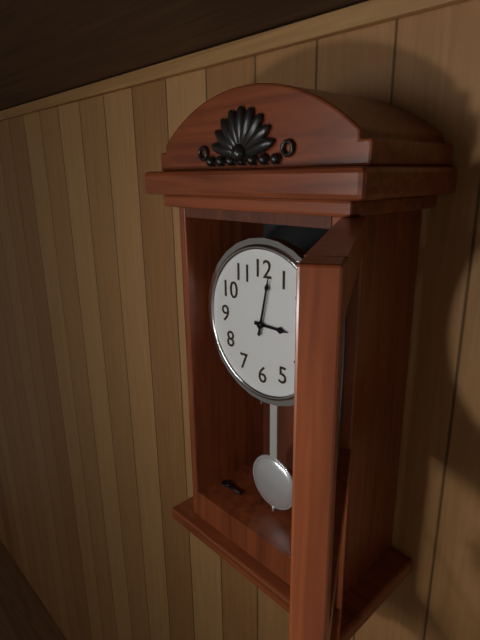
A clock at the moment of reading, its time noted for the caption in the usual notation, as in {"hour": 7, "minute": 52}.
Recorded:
{"hour": 3, "minute": 2}
